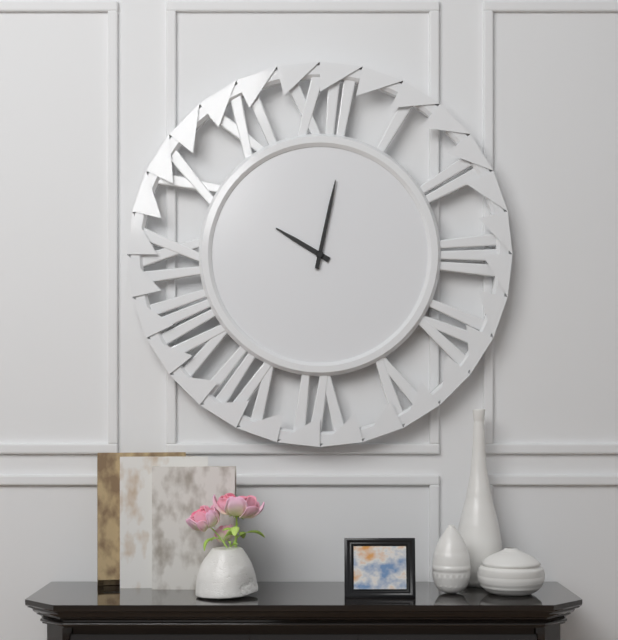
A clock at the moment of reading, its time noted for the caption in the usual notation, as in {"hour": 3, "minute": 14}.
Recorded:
{"hour": 10, "minute": 2}
